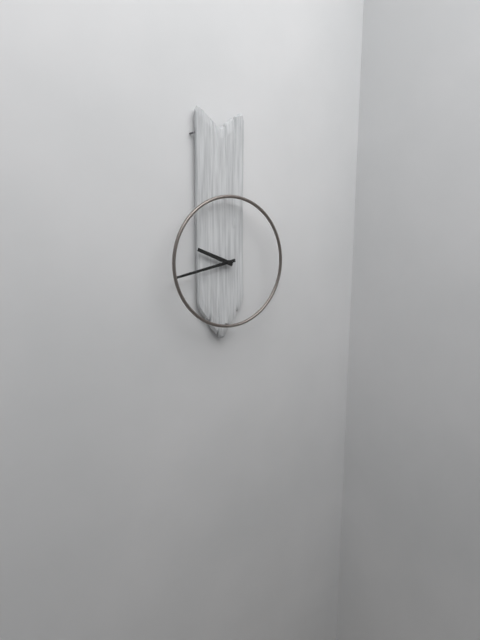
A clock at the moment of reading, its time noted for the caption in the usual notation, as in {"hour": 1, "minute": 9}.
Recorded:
{"hour": 9, "minute": 43}
